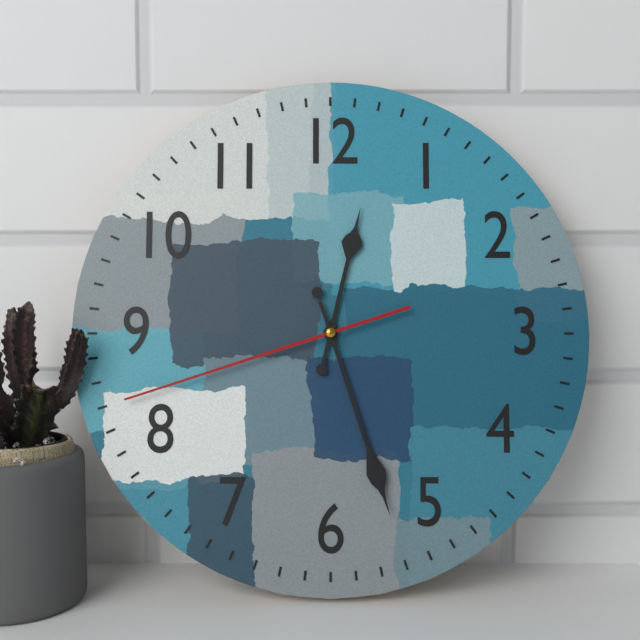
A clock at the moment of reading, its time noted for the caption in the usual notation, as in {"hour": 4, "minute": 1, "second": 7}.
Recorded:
{"hour": 12, "minute": 27, "second": 42}
